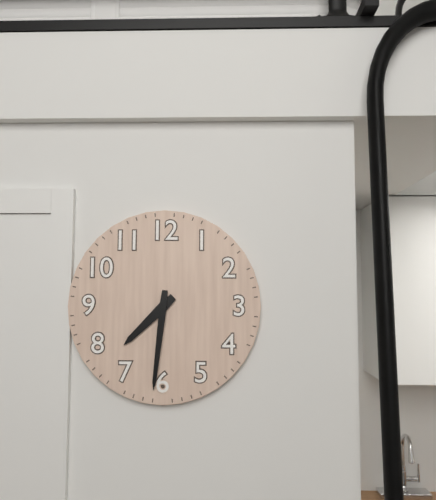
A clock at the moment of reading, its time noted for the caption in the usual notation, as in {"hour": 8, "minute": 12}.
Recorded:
{"hour": 7, "minute": 31}
